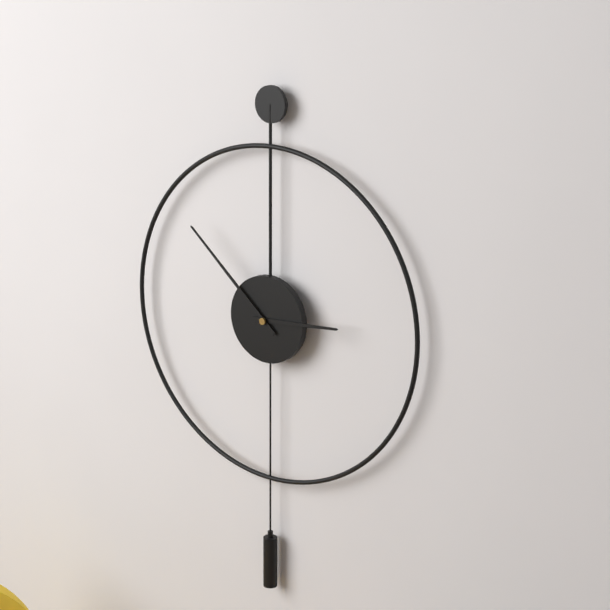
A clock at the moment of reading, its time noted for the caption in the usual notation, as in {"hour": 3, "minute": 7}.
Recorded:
{"hour": 2, "minute": 52}
